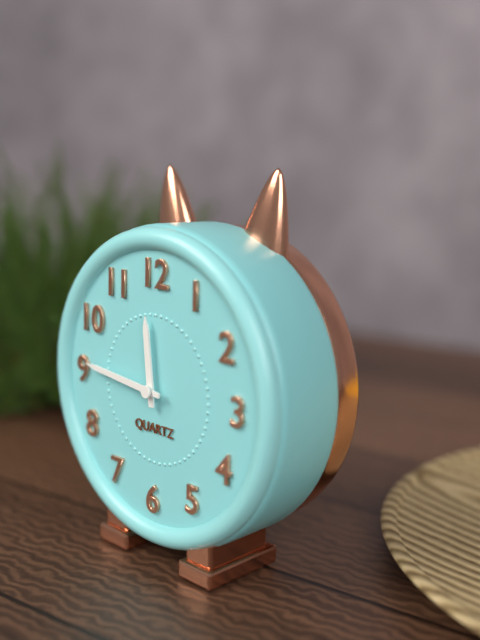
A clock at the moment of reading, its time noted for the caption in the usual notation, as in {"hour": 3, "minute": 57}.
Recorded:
{"hour": 11, "minute": 46}
